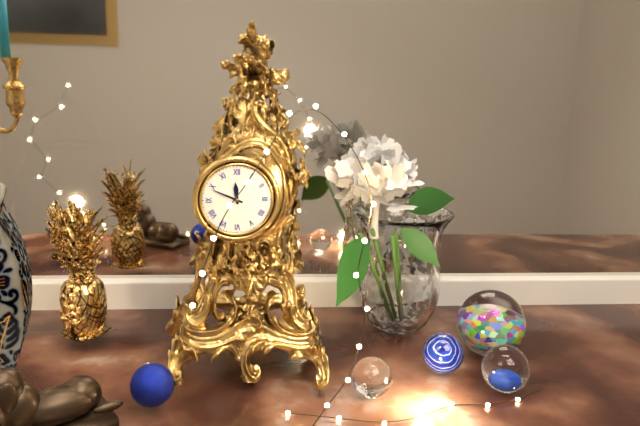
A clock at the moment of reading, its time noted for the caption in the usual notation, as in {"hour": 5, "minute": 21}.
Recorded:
{"hour": 11, "minute": 49}
